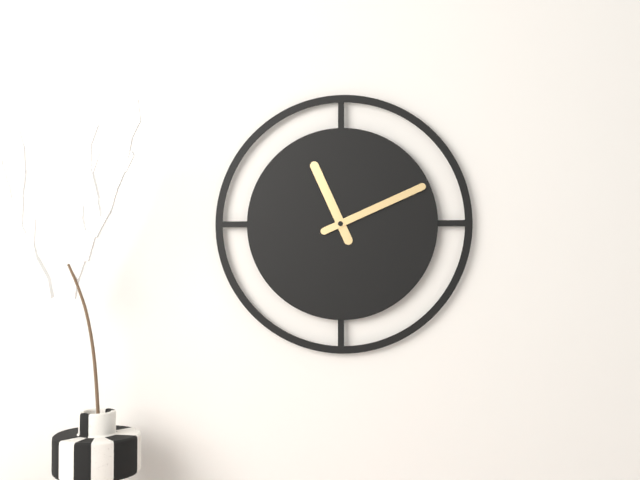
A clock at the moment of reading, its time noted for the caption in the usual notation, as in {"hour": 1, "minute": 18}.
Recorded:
{"hour": 11, "minute": 11}
